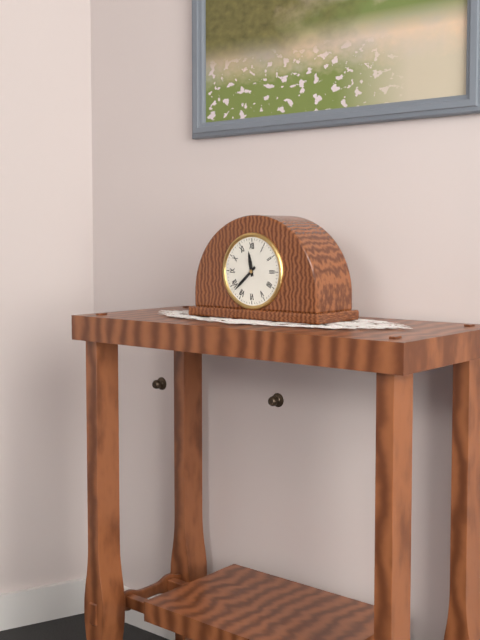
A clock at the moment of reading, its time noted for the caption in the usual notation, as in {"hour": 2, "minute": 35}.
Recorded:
{"hour": 11, "minute": 38}
